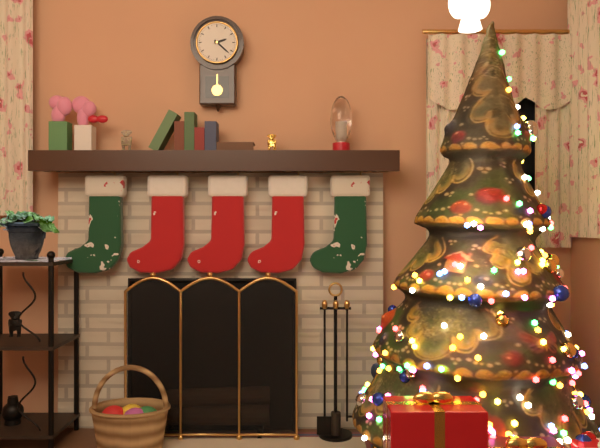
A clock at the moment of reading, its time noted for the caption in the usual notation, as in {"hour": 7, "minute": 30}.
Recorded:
{"hour": 2, "minute": 22}
